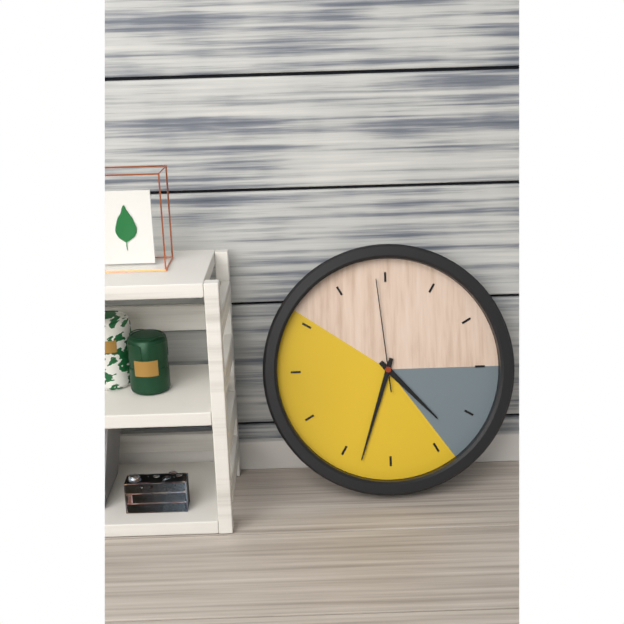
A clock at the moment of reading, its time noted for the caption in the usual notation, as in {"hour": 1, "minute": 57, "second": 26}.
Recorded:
{"hour": 4, "minute": 33, "second": 59}
